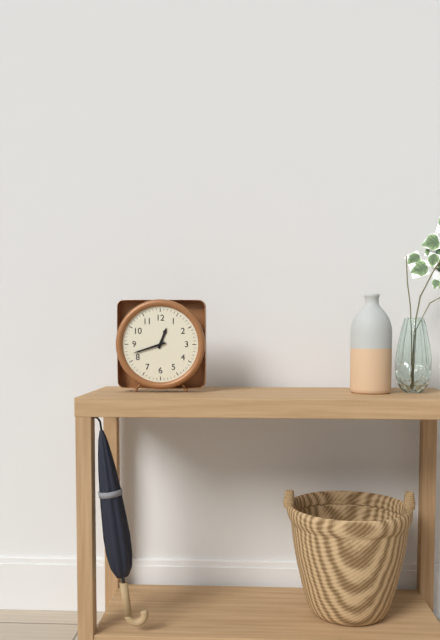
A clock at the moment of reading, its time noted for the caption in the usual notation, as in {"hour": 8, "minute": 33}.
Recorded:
{"hour": 12, "minute": 42}
